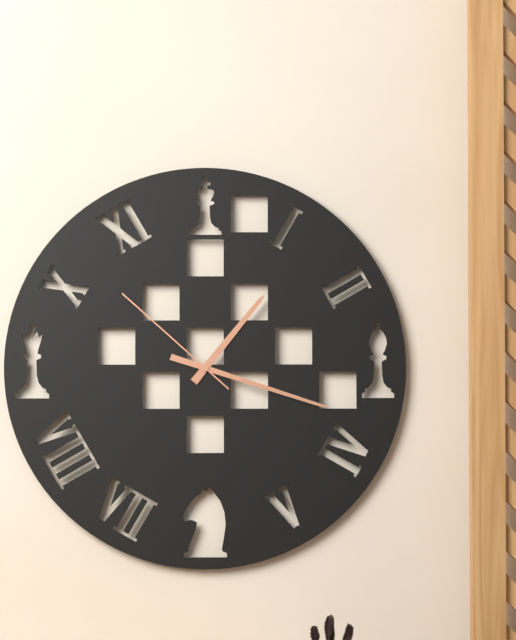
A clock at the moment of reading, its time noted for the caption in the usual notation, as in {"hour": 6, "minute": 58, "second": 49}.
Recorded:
{"hour": 1, "minute": 18, "second": 52}
